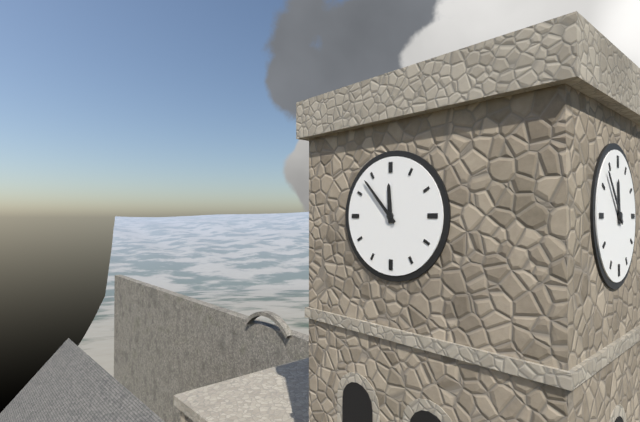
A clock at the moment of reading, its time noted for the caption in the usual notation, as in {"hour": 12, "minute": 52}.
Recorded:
{"hour": 11, "minute": 53}
